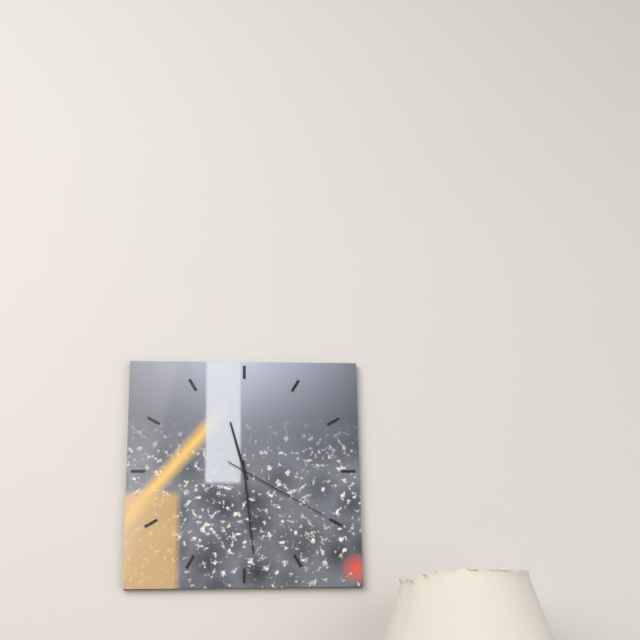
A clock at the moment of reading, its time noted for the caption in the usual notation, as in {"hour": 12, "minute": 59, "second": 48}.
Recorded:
{"hour": 11, "minute": 29, "second": 20}
